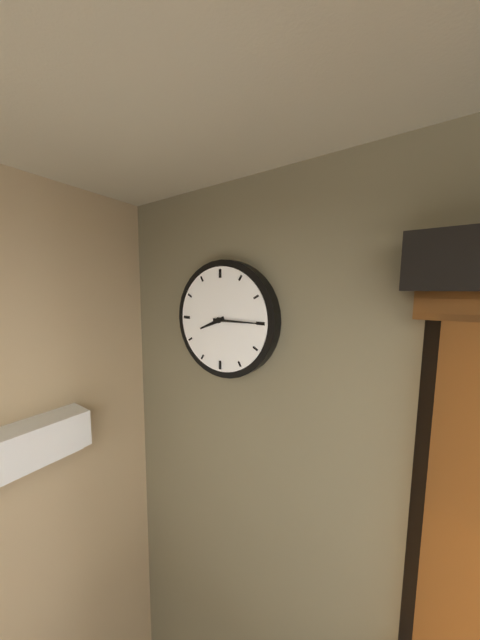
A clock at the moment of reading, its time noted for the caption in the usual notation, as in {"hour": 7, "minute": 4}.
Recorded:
{"hour": 8, "minute": 15}
